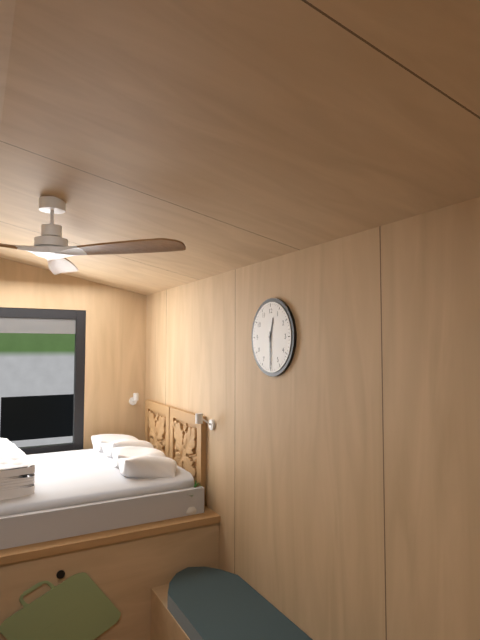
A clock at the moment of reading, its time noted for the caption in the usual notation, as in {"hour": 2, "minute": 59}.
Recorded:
{"hour": 12, "minute": 30}
